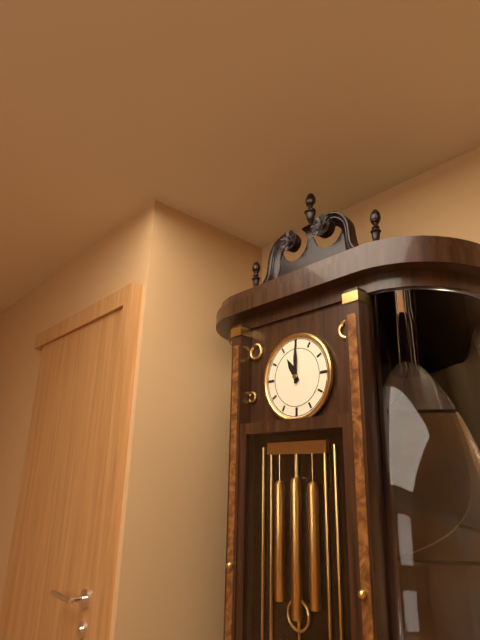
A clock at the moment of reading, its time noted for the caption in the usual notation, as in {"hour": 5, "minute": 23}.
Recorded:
{"hour": 11, "minute": 0}
